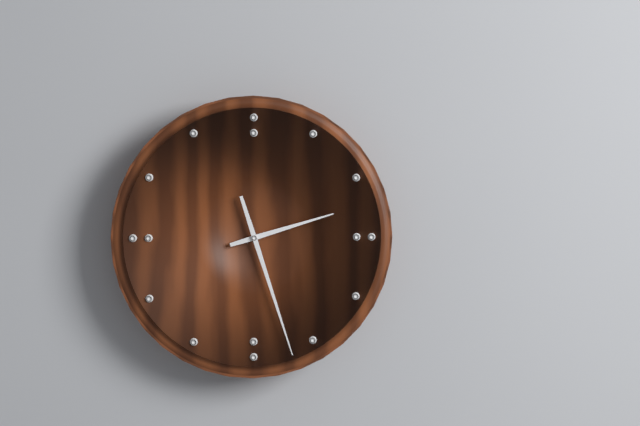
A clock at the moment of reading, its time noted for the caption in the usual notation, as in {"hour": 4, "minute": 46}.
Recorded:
{"hour": 2, "minute": 27}
